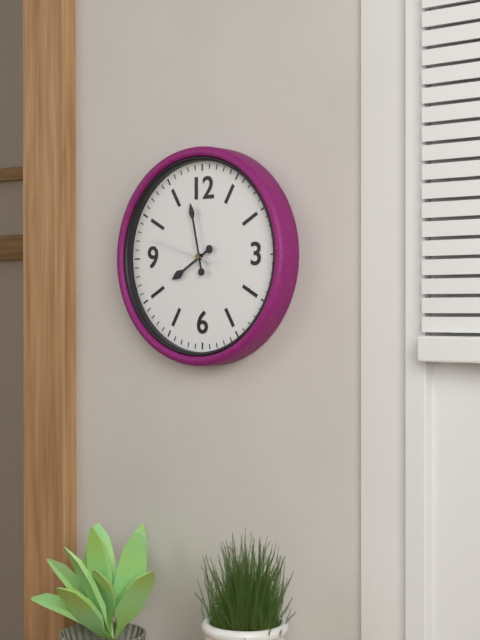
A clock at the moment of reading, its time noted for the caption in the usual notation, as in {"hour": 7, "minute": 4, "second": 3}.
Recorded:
{"hour": 7, "minute": 58, "second": 48}
